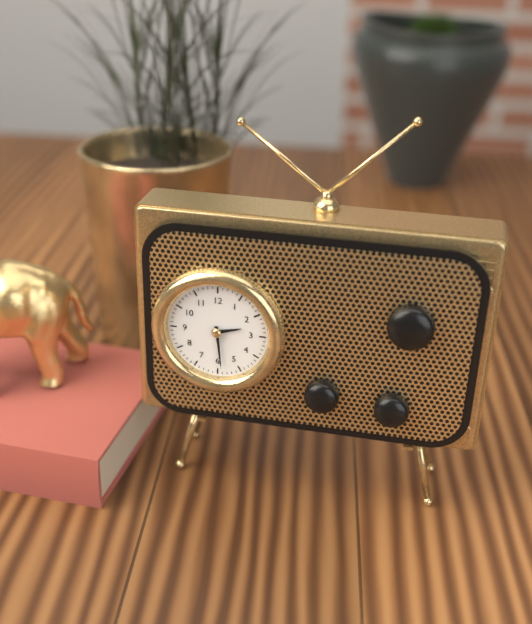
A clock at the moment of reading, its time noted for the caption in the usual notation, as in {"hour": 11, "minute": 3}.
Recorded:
{"hour": 2, "minute": 29}
